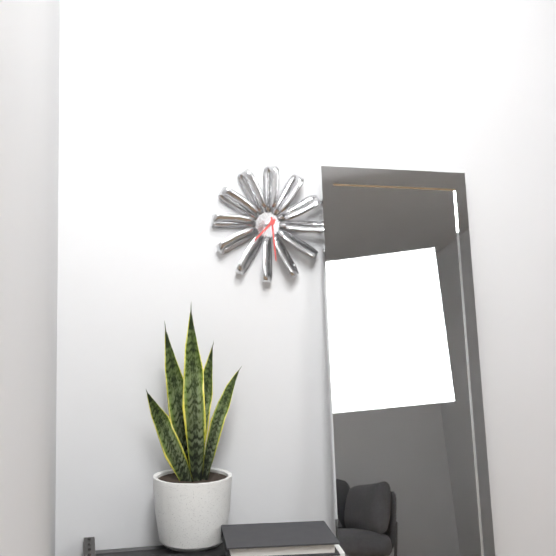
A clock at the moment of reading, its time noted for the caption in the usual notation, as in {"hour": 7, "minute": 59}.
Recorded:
{"hour": 7, "minute": 29}
